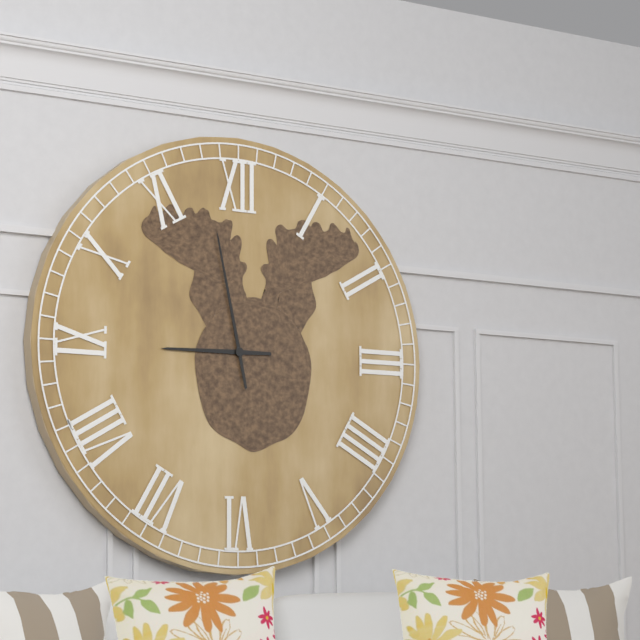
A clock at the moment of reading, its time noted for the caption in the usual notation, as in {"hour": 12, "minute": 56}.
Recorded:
{"hour": 8, "minute": 58}
